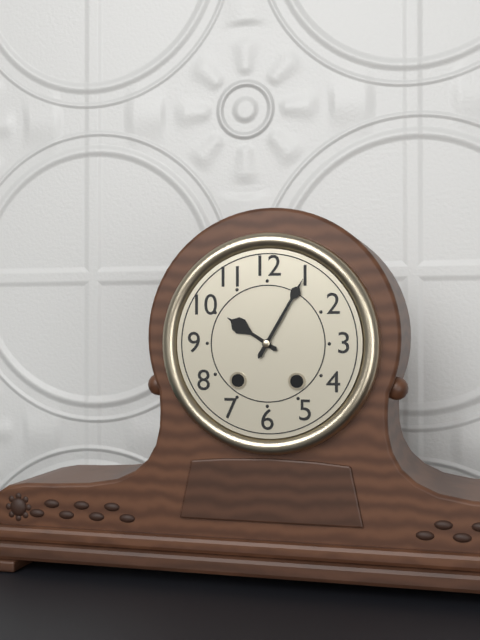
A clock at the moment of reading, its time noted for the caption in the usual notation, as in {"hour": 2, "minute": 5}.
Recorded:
{"hour": 10, "minute": 5}
